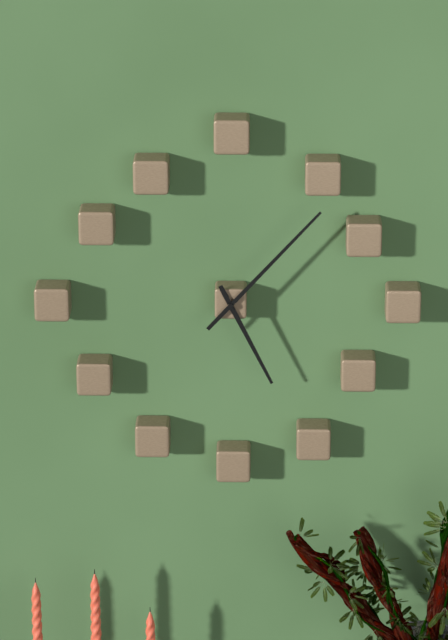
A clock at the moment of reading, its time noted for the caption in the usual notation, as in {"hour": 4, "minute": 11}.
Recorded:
{"hour": 5, "minute": 7}
